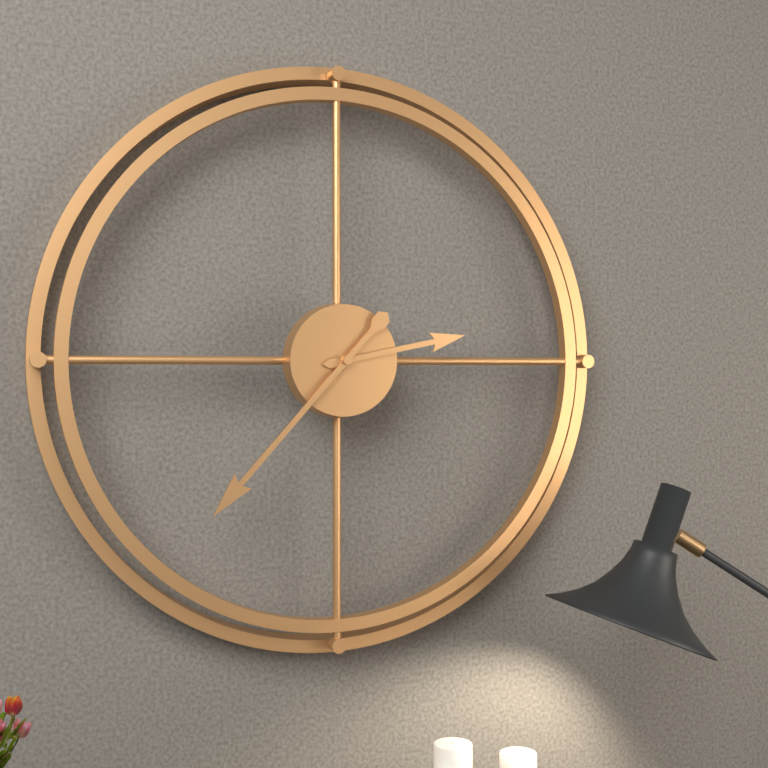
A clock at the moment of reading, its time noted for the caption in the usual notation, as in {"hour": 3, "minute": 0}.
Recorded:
{"hour": 2, "minute": 37}
